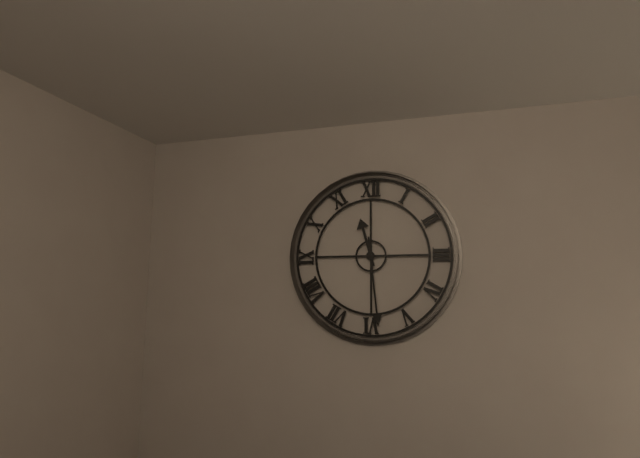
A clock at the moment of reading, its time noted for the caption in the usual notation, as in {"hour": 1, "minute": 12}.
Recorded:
{"hour": 11, "minute": 29}
